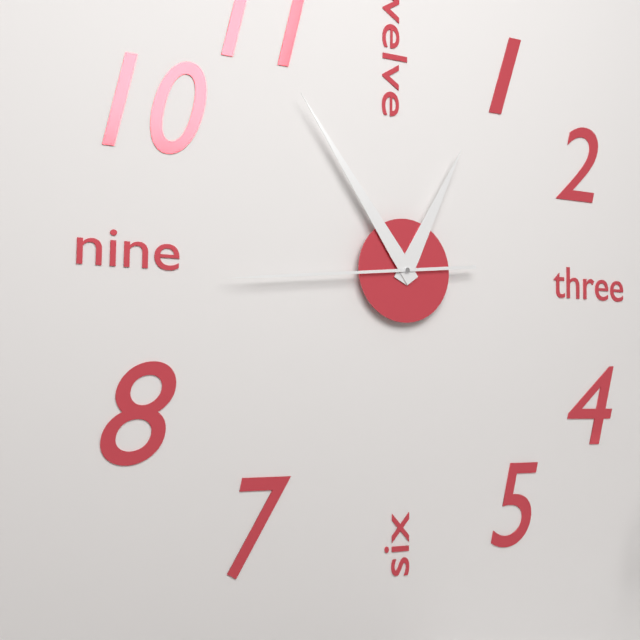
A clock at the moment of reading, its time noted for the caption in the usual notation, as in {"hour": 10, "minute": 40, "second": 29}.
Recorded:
{"hour": 12, "minute": 54, "second": 44}
